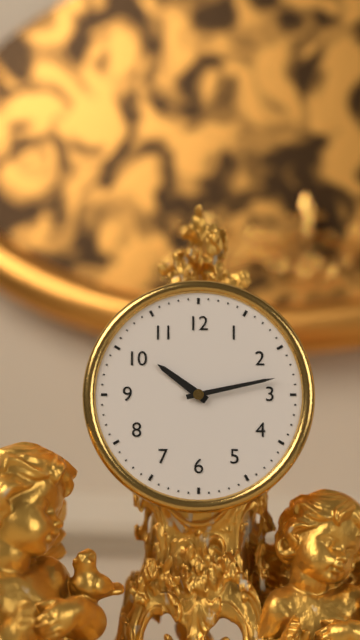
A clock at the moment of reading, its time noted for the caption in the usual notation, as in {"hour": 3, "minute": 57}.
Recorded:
{"hour": 10, "minute": 13}
